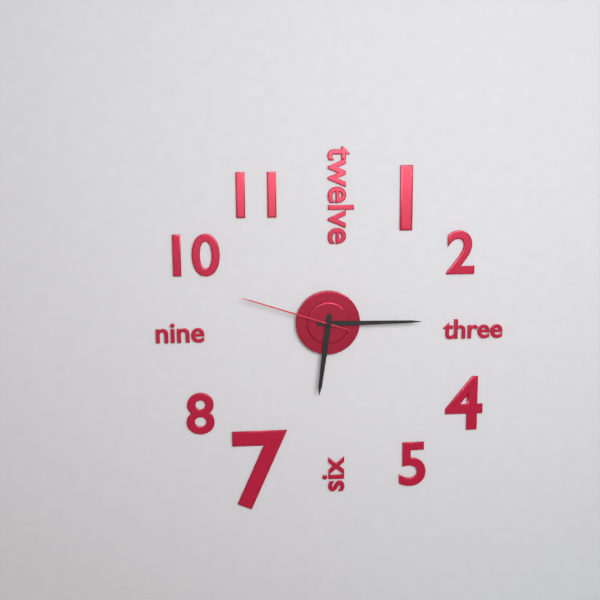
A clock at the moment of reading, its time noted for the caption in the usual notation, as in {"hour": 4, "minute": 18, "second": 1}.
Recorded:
{"hour": 6, "minute": 15, "second": 48}
